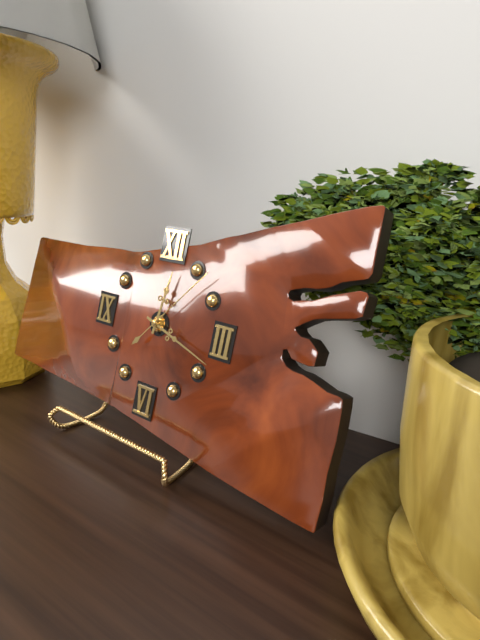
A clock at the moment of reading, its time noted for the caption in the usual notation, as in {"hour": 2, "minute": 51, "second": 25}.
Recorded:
{"hour": 12, "minute": 18, "second": 7}
